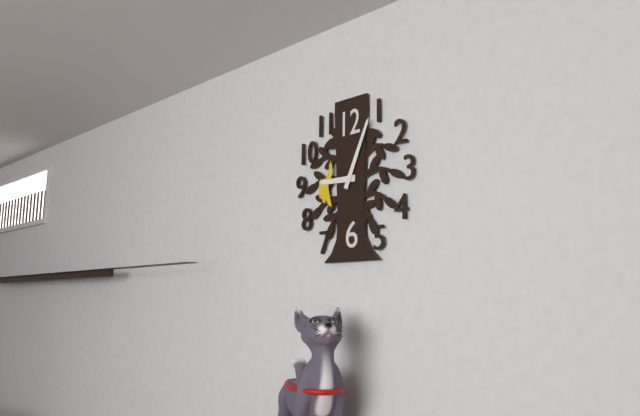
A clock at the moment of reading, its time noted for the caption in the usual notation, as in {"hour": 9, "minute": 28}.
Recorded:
{"hour": 9, "minute": 4}
